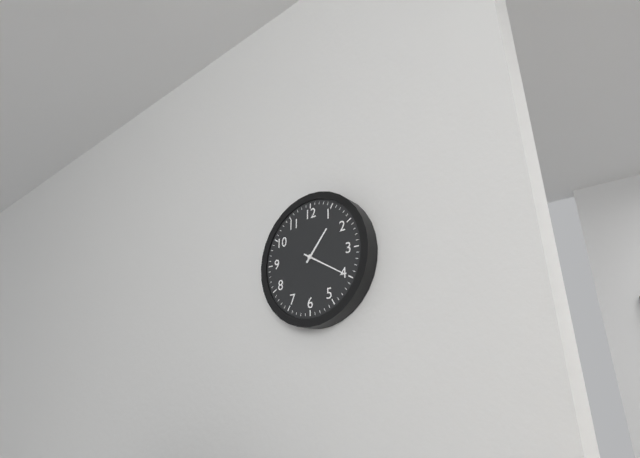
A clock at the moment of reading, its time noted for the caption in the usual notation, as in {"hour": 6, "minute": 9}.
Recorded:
{"hour": 1, "minute": 20}
